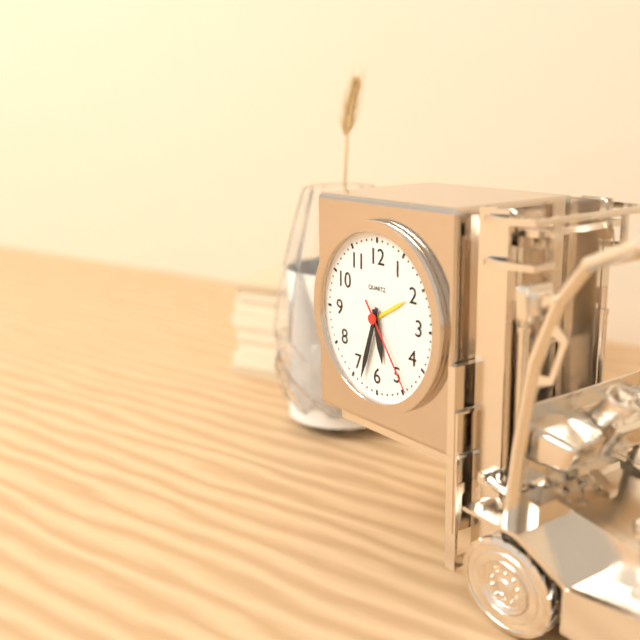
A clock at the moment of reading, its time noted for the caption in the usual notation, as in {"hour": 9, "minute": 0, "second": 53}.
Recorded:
{"hour": 5, "minute": 33, "second": 24}
